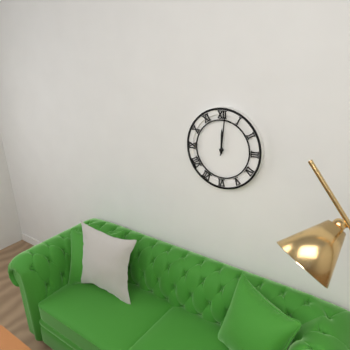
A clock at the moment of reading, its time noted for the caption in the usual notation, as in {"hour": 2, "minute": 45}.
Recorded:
{"hour": 12, "minute": 1}
